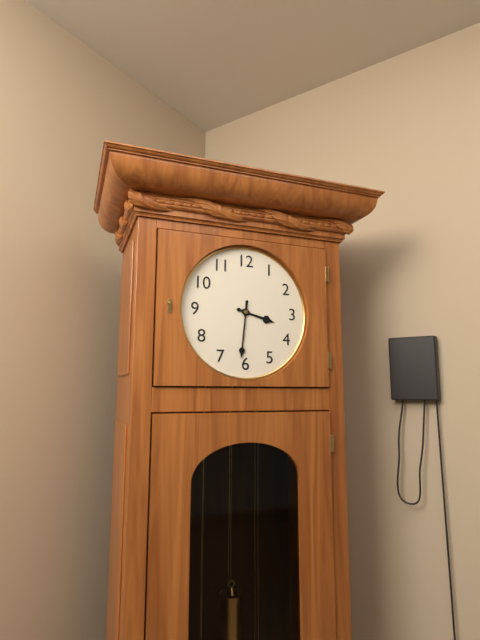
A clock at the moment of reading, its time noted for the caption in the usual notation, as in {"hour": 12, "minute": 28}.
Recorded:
{"hour": 3, "minute": 31}
